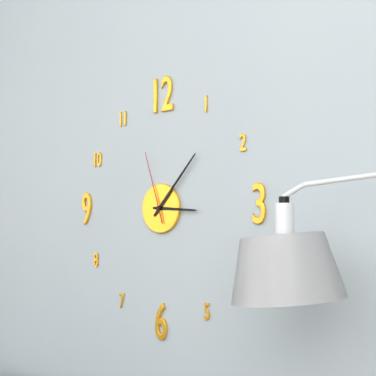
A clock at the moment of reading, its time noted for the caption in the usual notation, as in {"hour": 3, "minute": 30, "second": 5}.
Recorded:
{"hour": 3, "minute": 7, "second": 57}
